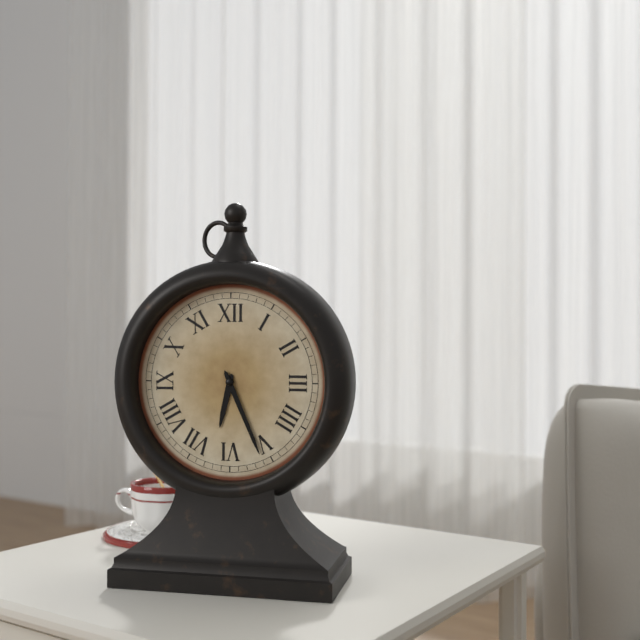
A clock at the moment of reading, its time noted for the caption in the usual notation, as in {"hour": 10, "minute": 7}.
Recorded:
{"hour": 6, "minute": 26}
